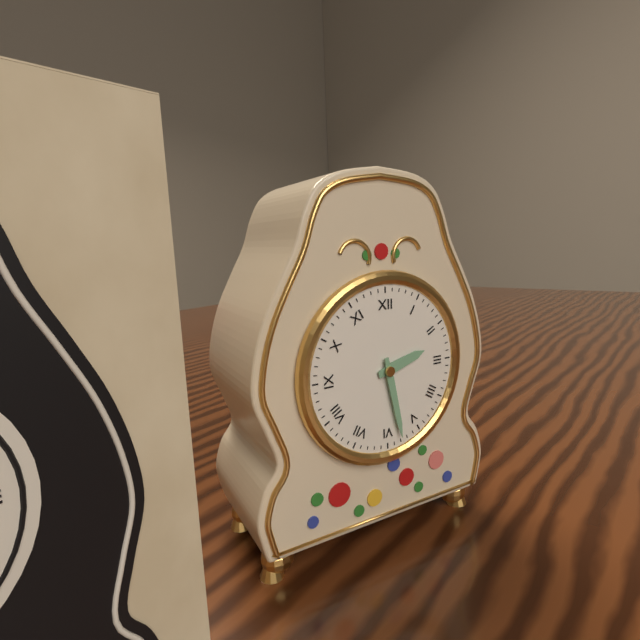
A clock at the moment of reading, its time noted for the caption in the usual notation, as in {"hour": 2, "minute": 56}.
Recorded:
{"hour": 2, "minute": 28}
